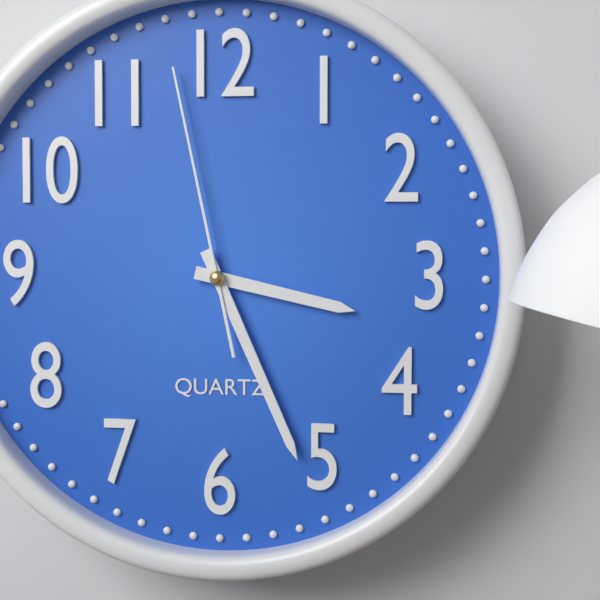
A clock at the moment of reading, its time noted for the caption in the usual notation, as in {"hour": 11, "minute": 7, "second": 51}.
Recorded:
{"hour": 3, "minute": 26, "second": 58}
